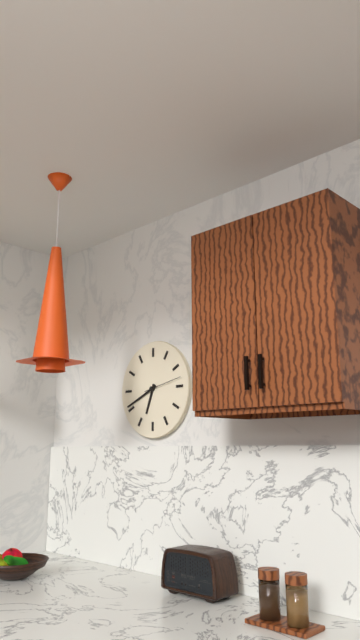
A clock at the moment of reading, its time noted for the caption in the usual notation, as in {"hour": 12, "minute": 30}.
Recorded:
{"hour": 6, "minute": 41}
